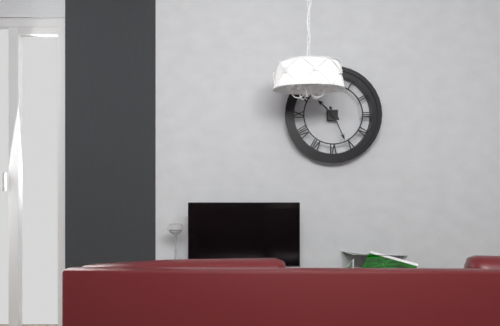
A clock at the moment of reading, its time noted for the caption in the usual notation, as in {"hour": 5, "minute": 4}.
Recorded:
{"hour": 10, "minute": 26}
